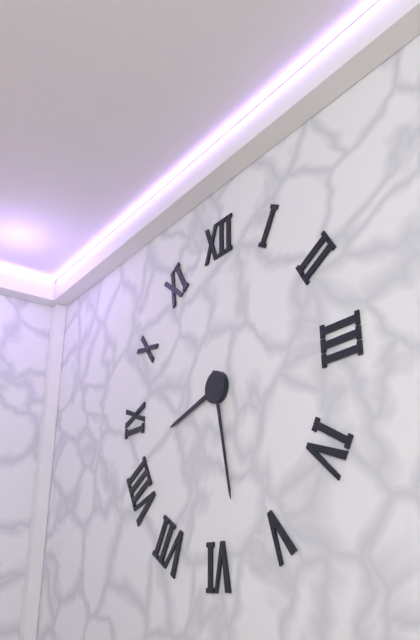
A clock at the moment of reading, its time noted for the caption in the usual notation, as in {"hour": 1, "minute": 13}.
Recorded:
{"hour": 8, "minute": 28}
